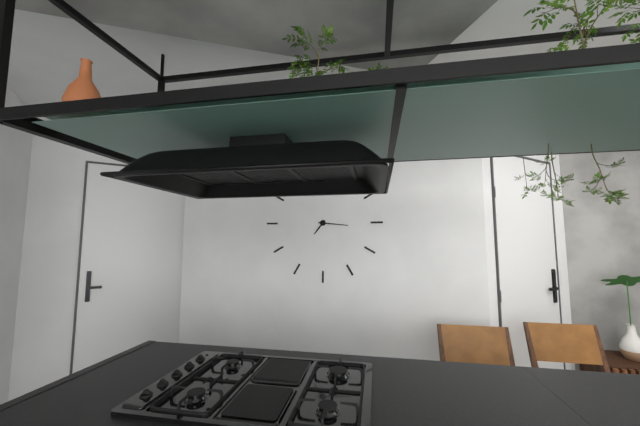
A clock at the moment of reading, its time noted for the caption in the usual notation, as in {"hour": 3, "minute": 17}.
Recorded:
{"hour": 7, "minute": 16}
